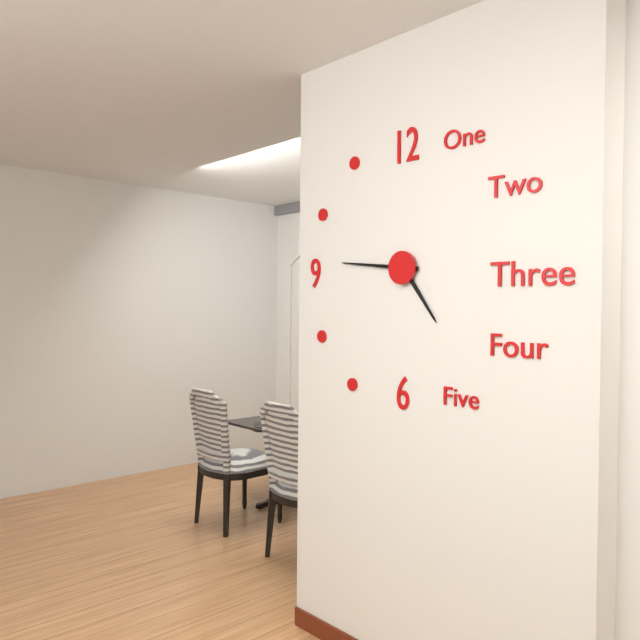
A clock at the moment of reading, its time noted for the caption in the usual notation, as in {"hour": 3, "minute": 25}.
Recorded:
{"hour": 4, "minute": 46}
